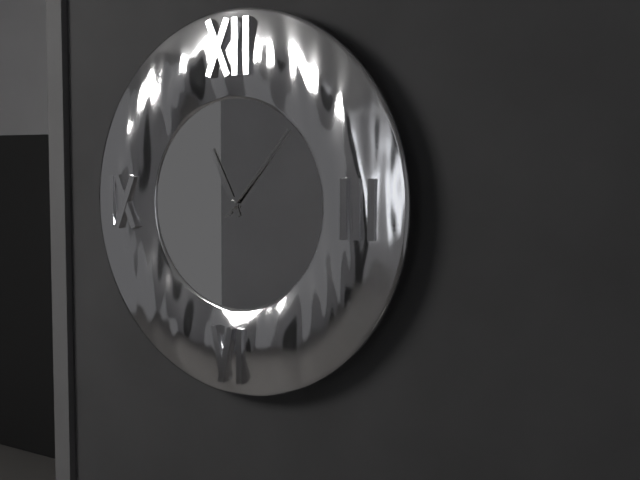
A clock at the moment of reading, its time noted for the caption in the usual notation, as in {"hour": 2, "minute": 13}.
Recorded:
{"hour": 11, "minute": 7}
